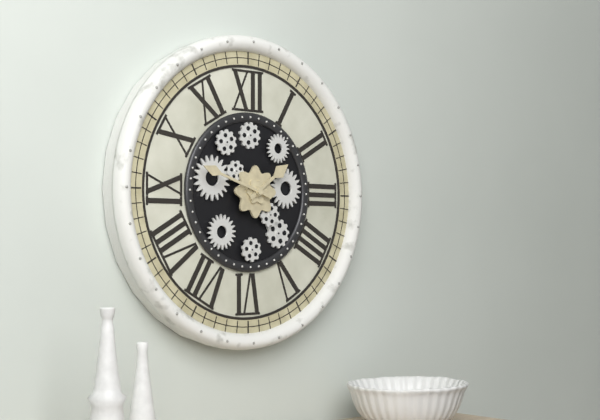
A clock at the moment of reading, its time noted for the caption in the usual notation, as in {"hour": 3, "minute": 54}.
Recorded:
{"hour": 1, "minute": 48}
